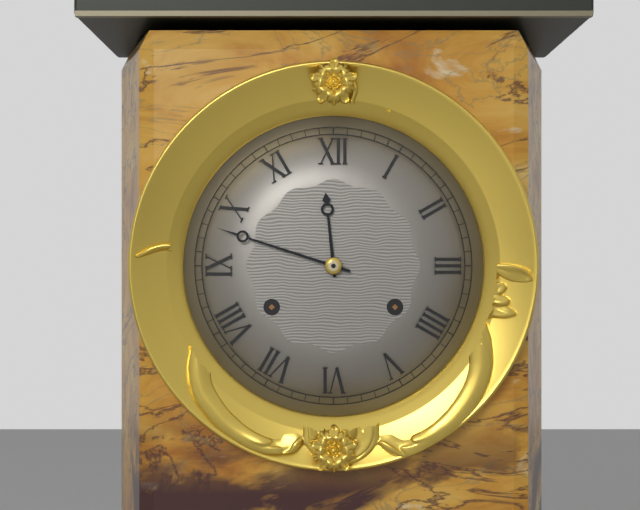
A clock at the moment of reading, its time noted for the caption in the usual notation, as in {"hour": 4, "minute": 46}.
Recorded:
{"hour": 11, "minute": 48}
